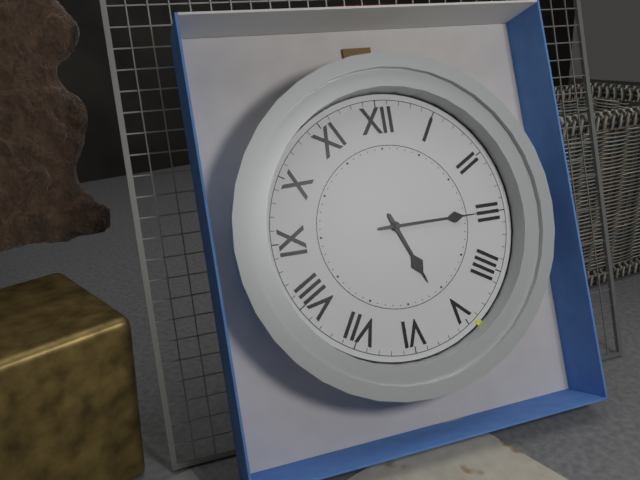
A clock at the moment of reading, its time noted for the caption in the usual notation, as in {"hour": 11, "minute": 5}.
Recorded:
{"hour": 5, "minute": 15}
